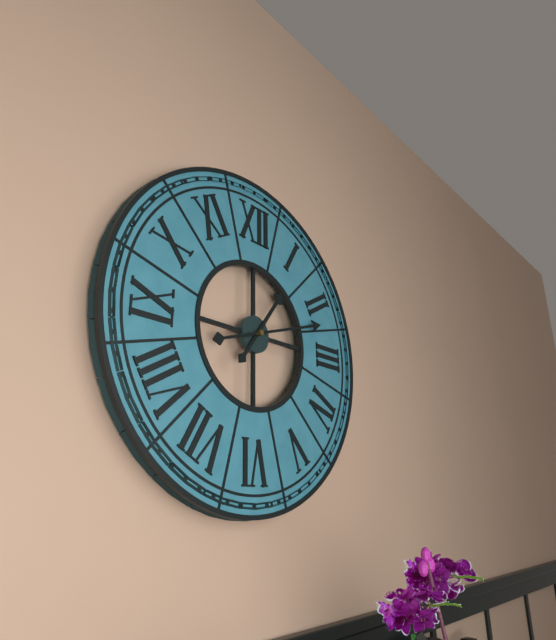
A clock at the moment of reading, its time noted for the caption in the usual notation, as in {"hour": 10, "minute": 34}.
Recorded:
{"hour": 1, "minute": 12}
